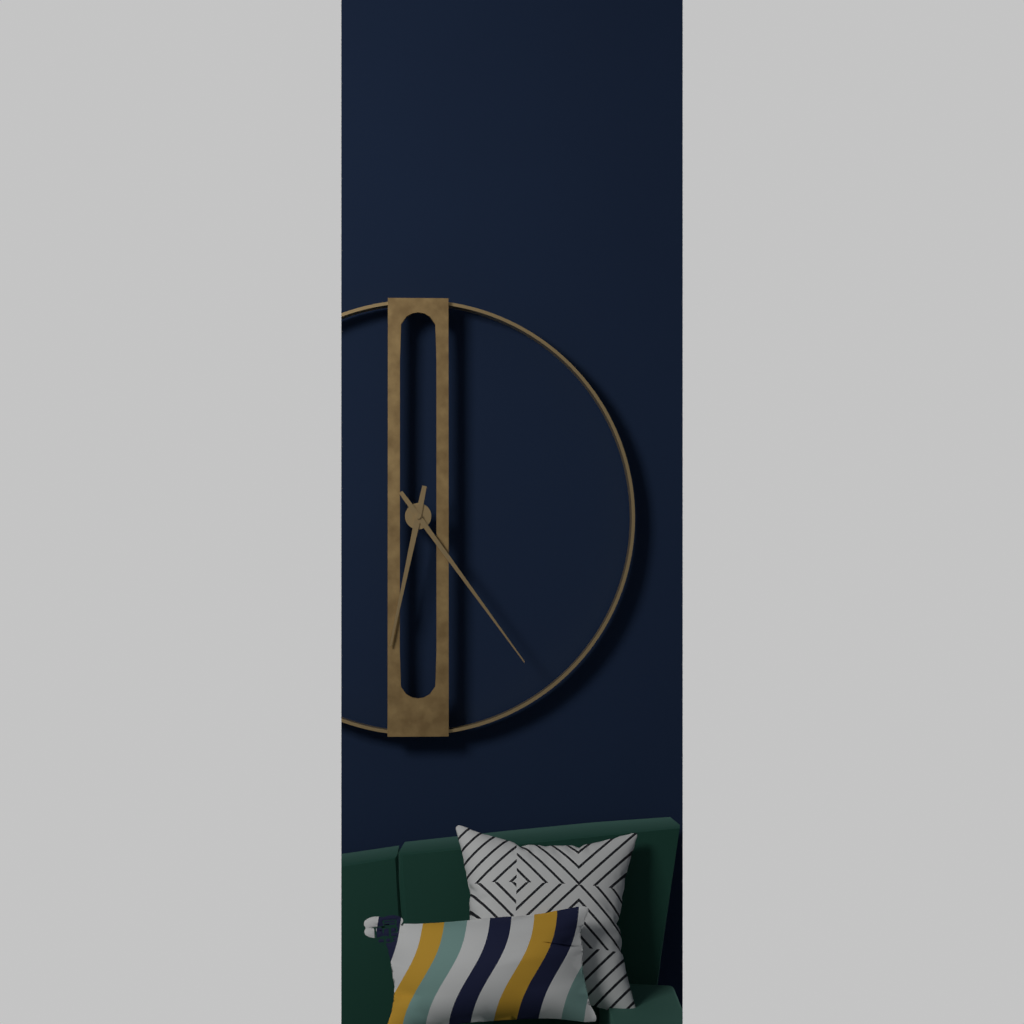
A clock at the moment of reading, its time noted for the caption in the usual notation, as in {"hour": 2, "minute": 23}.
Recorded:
{"hour": 6, "minute": 24}
